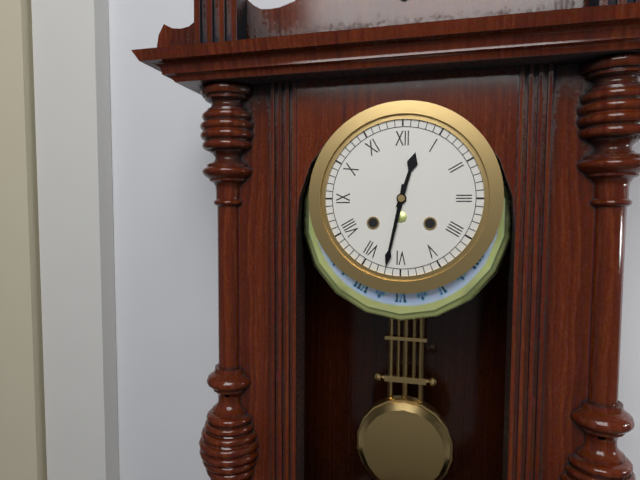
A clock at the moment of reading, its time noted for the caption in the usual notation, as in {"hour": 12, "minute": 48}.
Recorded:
{"hour": 12, "minute": 32}
